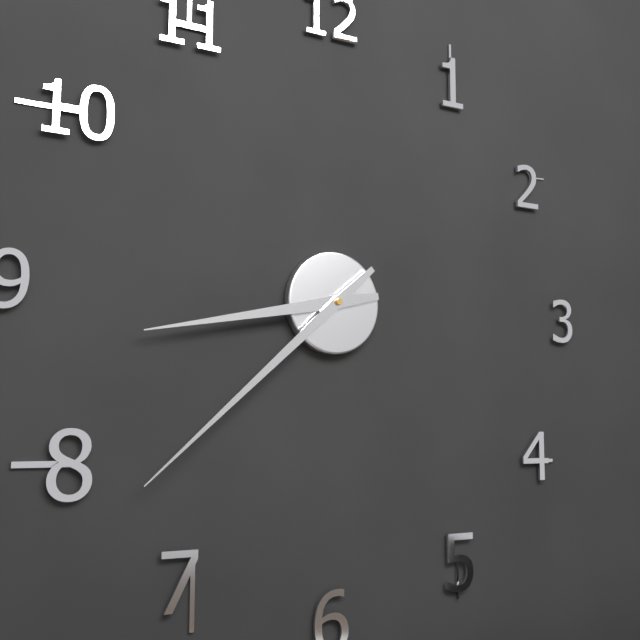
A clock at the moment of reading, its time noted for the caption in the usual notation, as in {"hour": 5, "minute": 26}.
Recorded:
{"hour": 8, "minute": 38}
